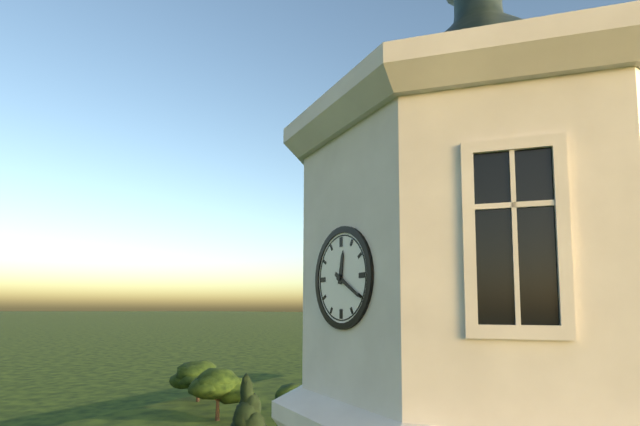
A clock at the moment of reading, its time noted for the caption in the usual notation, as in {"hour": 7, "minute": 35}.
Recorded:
{"hour": 12, "minute": 20}
